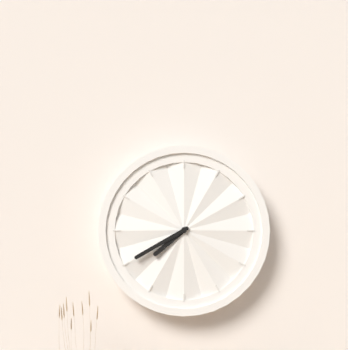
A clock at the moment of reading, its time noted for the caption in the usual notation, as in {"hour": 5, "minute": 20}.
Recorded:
{"hour": 7, "minute": 40}
